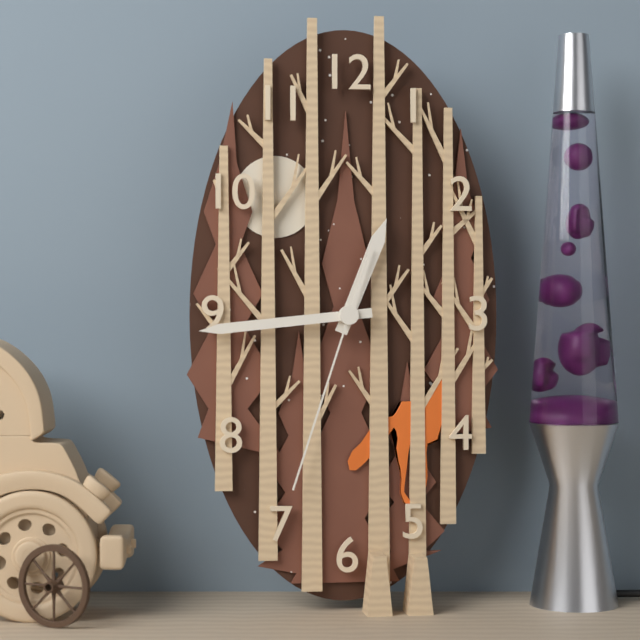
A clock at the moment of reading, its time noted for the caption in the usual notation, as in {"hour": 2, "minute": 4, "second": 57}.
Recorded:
{"hour": 12, "minute": 44, "second": 33}
